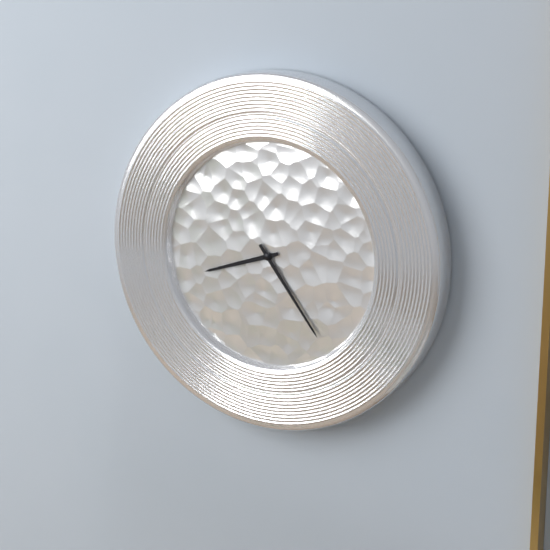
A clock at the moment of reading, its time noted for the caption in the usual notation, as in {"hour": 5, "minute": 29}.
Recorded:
{"hour": 8, "minute": 24}
